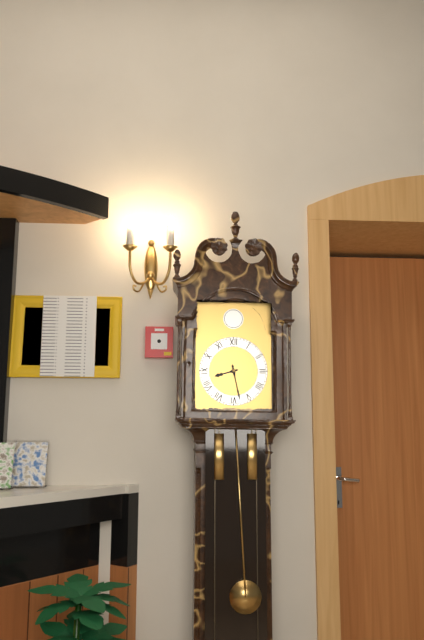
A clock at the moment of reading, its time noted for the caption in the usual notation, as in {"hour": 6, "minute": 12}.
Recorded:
{"hour": 8, "minute": 28}
